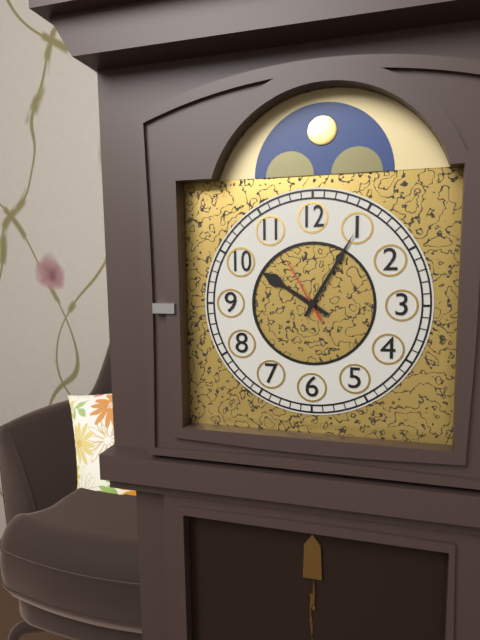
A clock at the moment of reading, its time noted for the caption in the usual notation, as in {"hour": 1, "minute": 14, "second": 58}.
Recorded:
{"hour": 10, "minute": 5, "second": 55}
